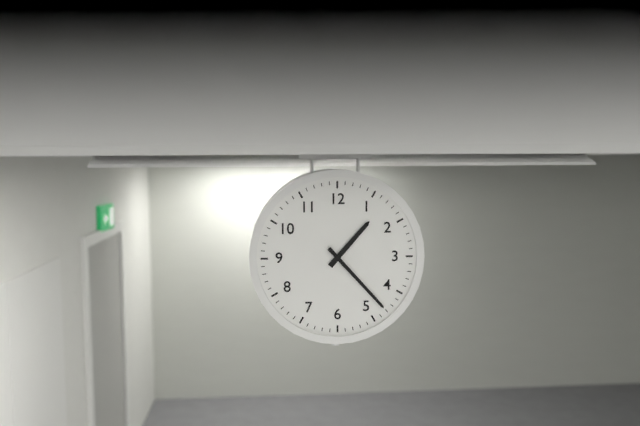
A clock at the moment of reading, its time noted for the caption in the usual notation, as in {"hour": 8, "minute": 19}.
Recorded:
{"hour": 1, "minute": 23}
